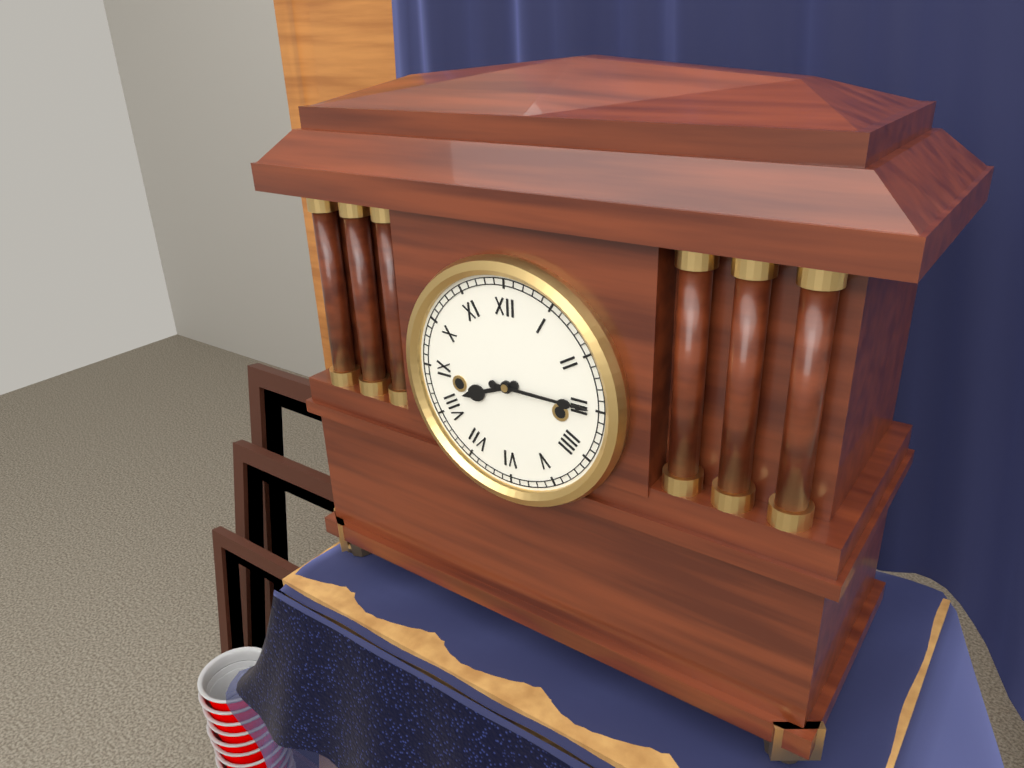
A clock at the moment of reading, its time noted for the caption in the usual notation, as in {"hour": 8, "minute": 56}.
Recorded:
{"hour": 8, "minute": 15}
